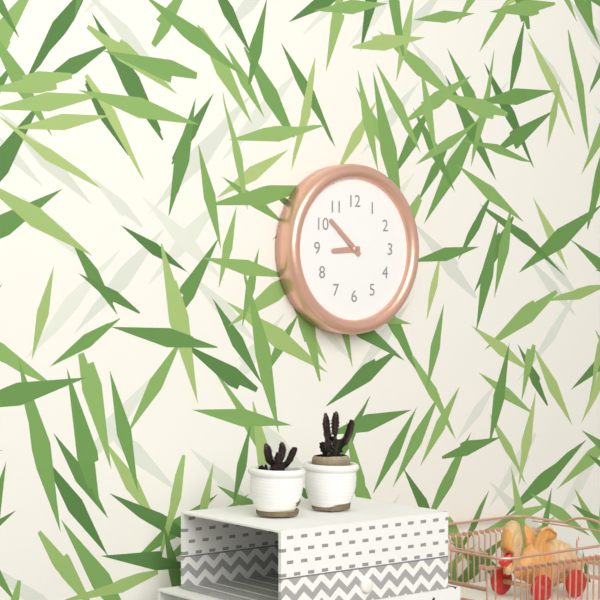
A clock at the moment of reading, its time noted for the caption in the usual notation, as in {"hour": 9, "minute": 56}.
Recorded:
{"hour": 8, "minute": 52}
